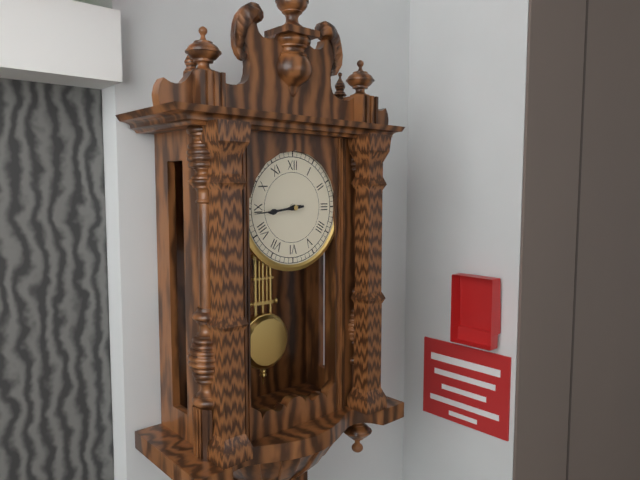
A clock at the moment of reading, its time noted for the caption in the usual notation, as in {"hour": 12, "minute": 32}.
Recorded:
{"hour": 8, "minute": 44}
